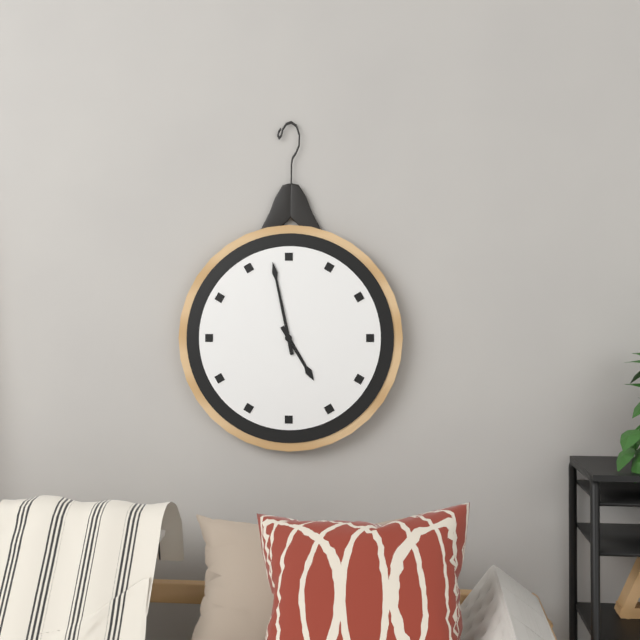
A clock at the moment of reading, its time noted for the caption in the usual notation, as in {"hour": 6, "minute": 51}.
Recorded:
{"hour": 4, "minute": 58}
